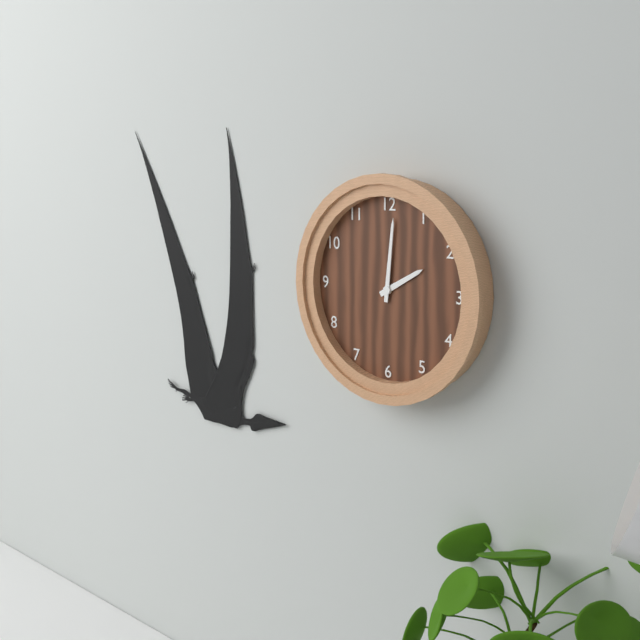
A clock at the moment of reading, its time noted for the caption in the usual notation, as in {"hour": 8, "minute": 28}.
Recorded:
{"hour": 2, "minute": 1}
